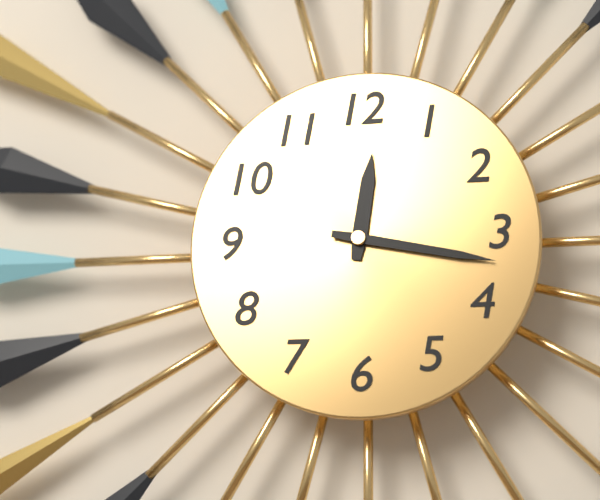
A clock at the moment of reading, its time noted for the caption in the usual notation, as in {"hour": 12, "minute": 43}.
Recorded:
{"hour": 12, "minute": 17}
